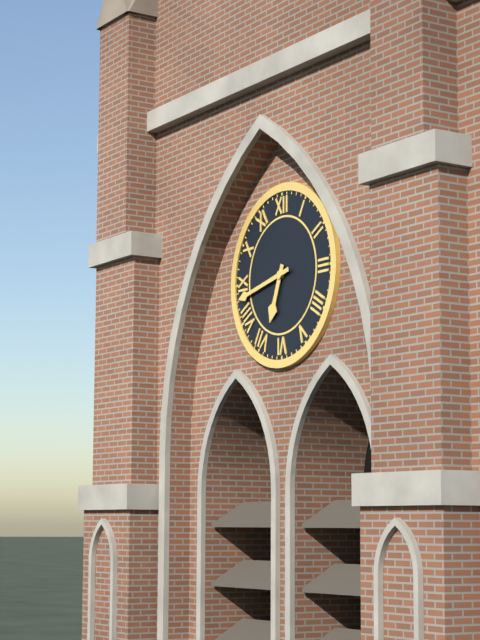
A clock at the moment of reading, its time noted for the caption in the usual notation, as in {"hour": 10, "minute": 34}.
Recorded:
{"hour": 6, "minute": 43}
